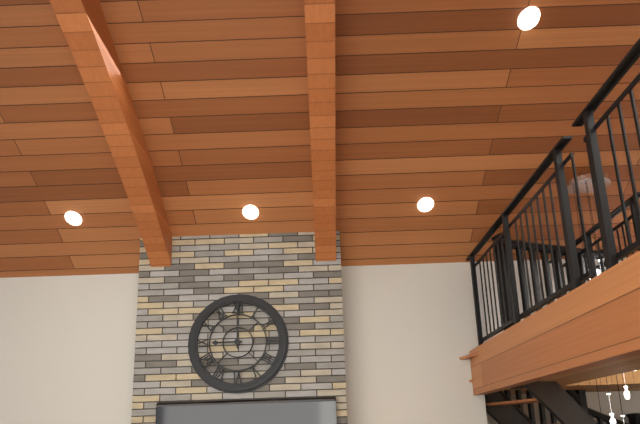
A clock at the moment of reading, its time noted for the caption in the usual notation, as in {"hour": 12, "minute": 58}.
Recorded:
{"hour": 9, "minute": 0}
